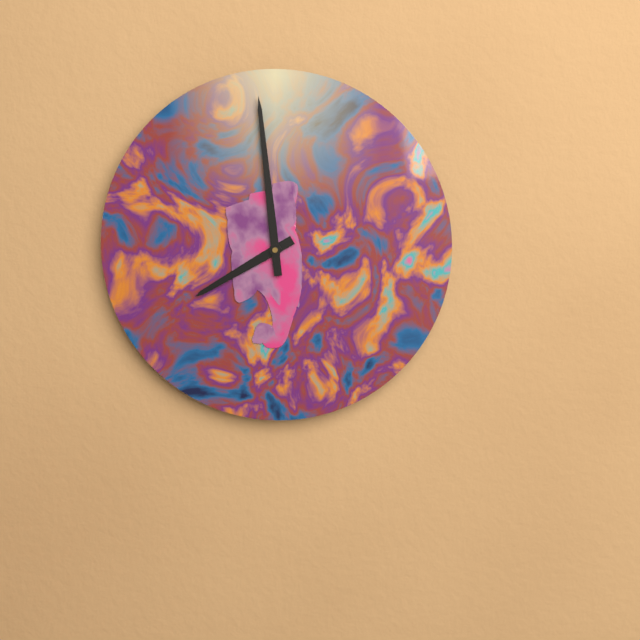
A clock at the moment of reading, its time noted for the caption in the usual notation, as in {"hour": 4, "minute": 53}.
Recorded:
{"hour": 7, "minute": 59}
